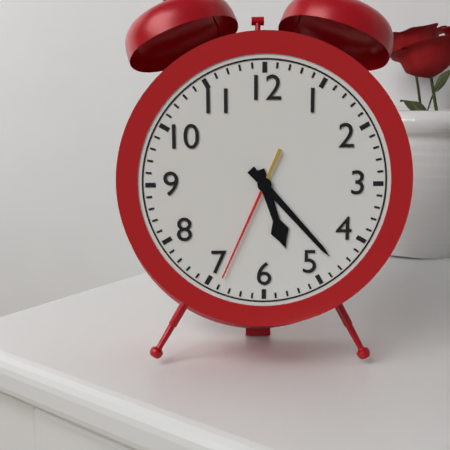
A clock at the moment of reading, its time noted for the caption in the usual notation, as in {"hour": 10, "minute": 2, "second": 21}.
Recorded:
{"hour": 5, "minute": 23, "second": 34}
